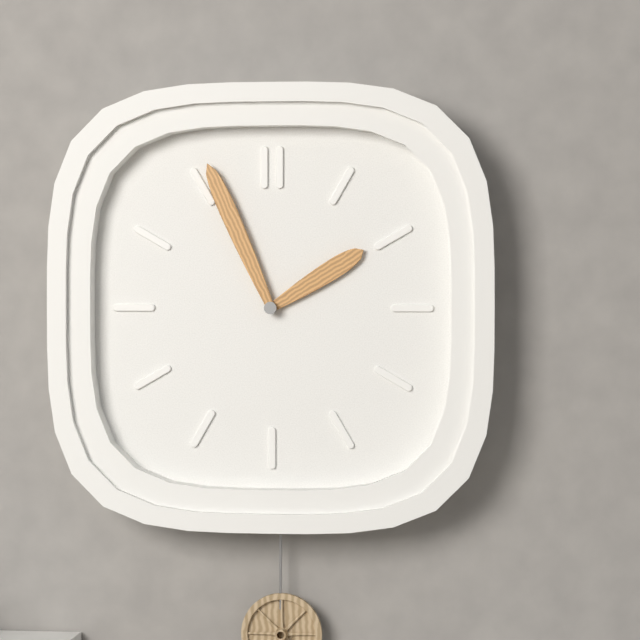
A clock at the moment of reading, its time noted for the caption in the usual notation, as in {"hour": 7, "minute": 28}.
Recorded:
{"hour": 1, "minute": 56}
